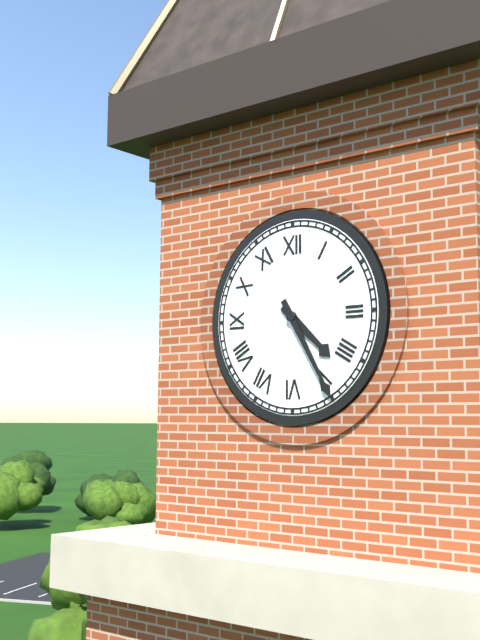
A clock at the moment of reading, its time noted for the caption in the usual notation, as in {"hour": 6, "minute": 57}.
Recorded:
{"hour": 4, "minute": 25}
